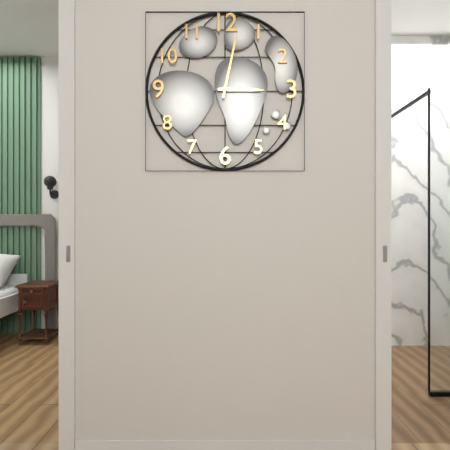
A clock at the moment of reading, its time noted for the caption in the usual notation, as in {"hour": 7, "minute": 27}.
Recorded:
{"hour": 3, "minute": 2}
